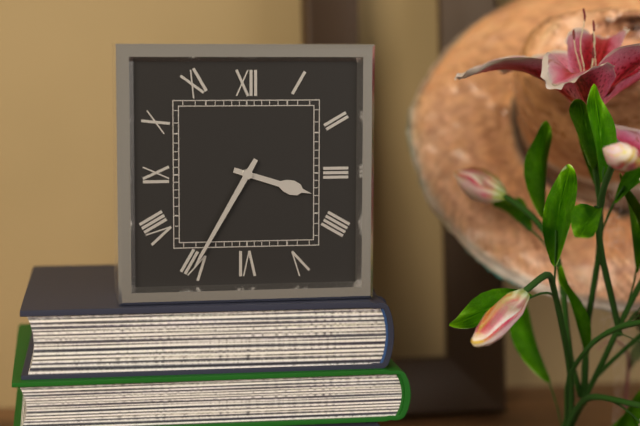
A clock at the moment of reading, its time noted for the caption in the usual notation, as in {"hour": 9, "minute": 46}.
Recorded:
{"hour": 3, "minute": 35}
